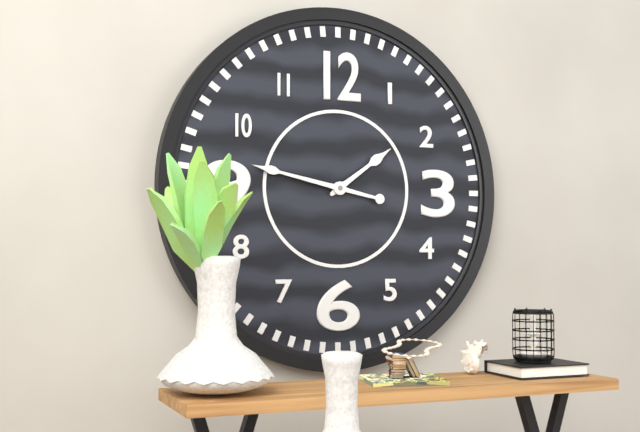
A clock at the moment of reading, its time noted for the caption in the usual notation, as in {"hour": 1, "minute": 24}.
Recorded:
{"hour": 1, "minute": 47}
